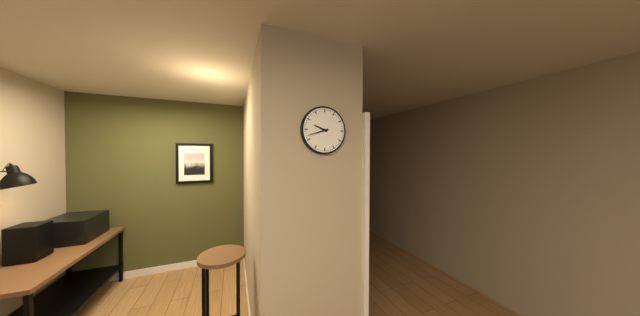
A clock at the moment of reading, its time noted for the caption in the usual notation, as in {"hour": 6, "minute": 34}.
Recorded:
{"hour": 9, "minute": 42}
